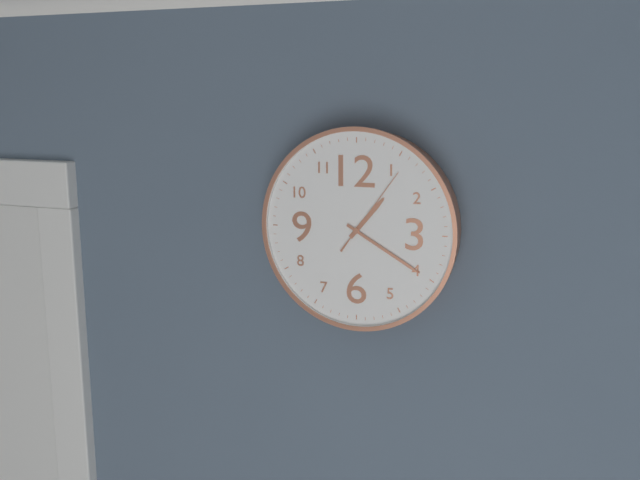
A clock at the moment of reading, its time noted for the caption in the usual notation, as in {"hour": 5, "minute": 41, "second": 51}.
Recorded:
{"hour": 1, "minute": 20, "second": 6}
